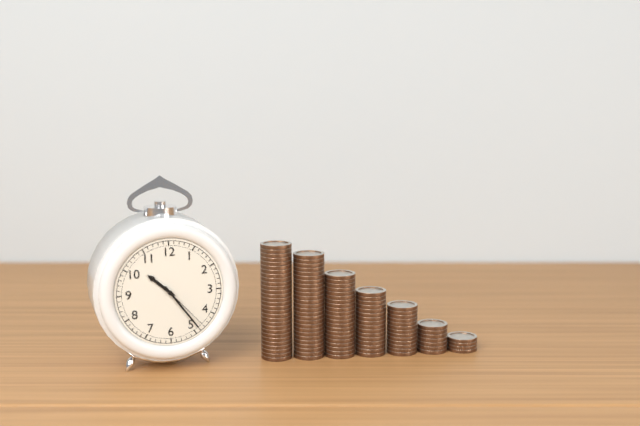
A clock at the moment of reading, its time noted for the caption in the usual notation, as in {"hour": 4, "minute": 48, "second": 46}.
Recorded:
{"hour": 10, "minute": 24, "second": 23}
